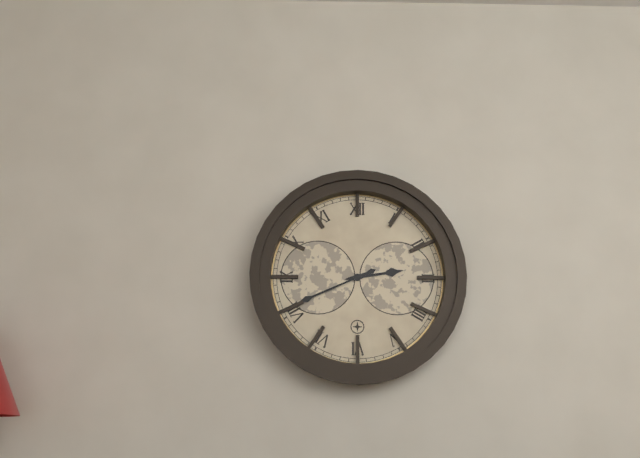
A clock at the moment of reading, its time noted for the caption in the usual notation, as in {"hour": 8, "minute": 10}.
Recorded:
{"hour": 2, "minute": 41}
